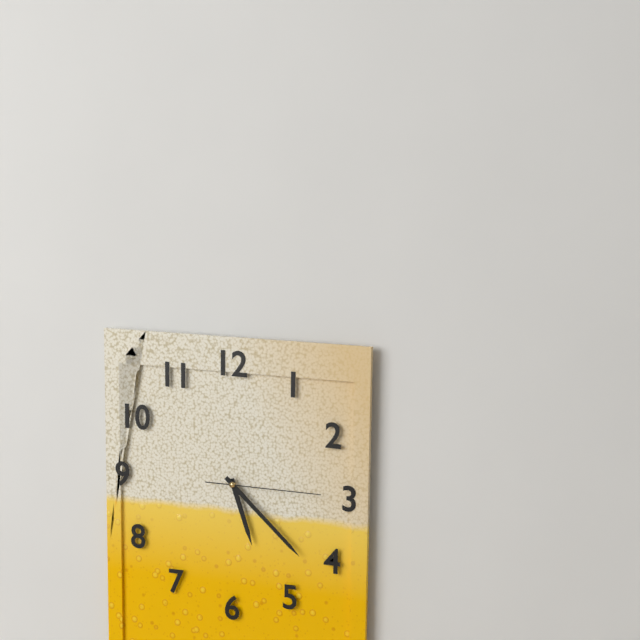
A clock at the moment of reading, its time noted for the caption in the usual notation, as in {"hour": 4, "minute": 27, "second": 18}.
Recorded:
{"hour": 5, "minute": 22, "second": 15}
